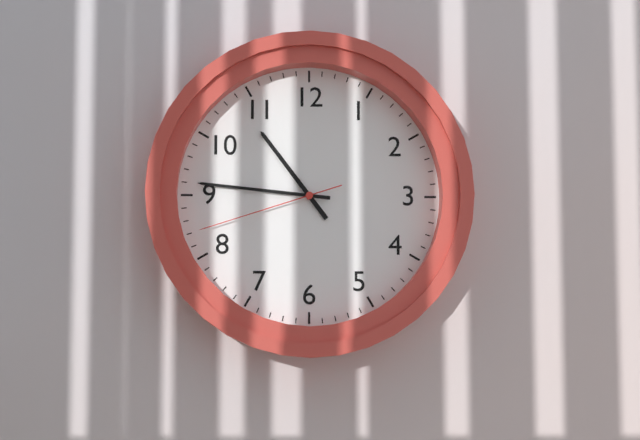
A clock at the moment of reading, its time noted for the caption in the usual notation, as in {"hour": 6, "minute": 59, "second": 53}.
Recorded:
{"hour": 10, "minute": 46, "second": 42}
